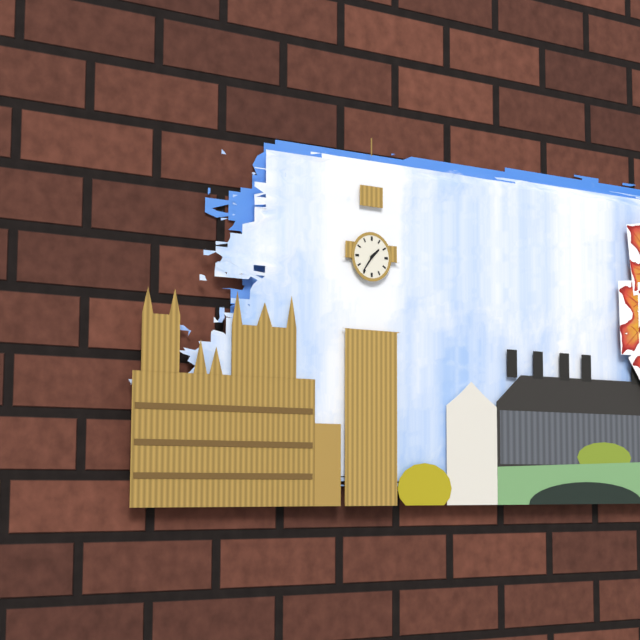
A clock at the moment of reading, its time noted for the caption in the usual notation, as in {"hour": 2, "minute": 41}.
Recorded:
{"hour": 1, "minute": 36}
